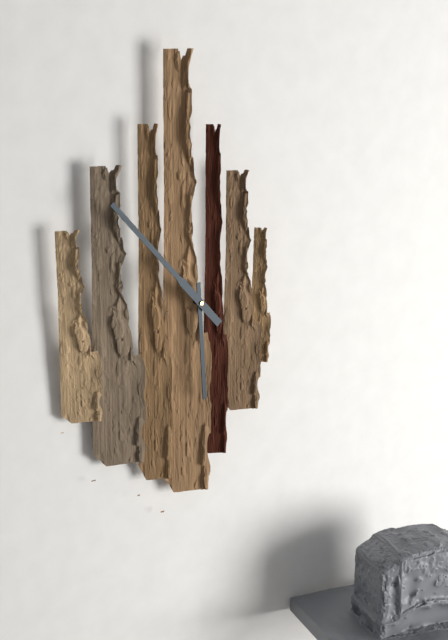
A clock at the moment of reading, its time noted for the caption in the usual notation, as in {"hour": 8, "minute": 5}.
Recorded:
{"hour": 5, "minute": 53}
